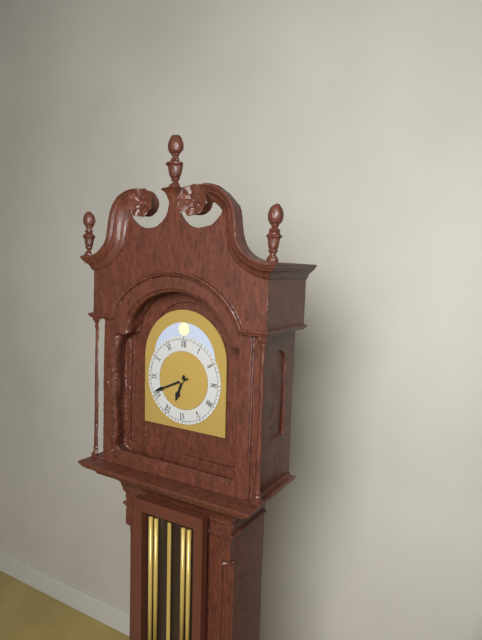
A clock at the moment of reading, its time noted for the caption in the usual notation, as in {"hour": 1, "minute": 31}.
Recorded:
{"hour": 6, "minute": 41}
